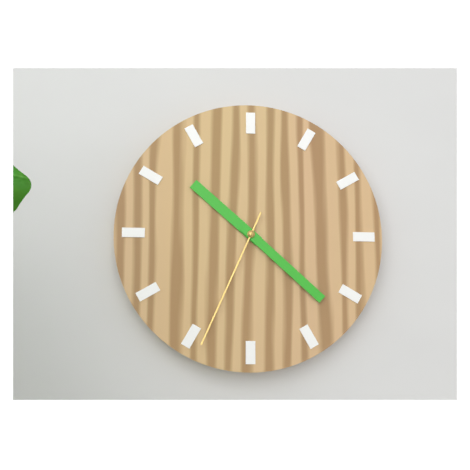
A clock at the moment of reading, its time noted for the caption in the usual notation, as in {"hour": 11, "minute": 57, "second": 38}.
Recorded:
{"hour": 10, "minute": 22, "second": 34}
